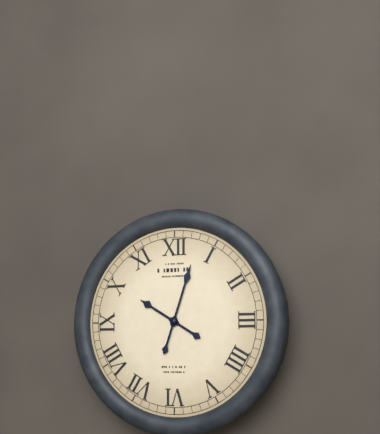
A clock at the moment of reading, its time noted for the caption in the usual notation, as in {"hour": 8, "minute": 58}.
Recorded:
{"hour": 10, "minute": 3}
